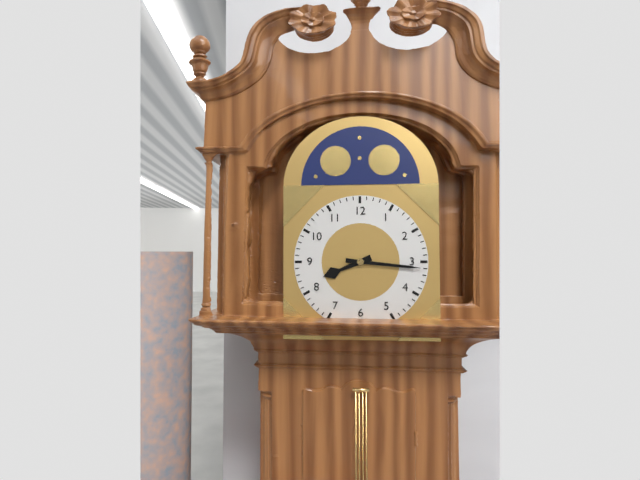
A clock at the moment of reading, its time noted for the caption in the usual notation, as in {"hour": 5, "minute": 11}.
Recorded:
{"hour": 8, "minute": 16}
